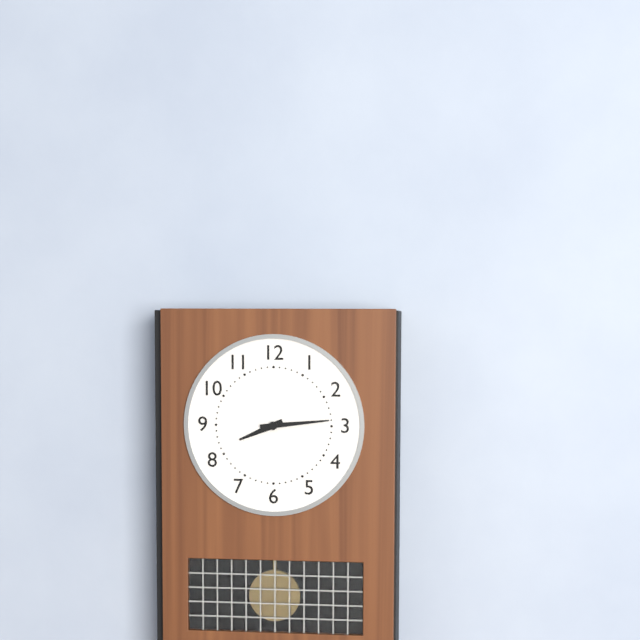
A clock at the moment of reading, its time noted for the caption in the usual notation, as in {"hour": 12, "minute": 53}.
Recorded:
{"hour": 8, "minute": 14}
